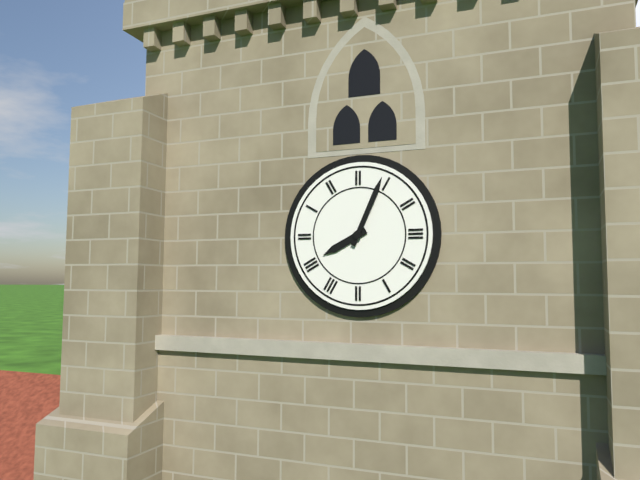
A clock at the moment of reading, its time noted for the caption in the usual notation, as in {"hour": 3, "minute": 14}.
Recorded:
{"hour": 8, "minute": 4}
